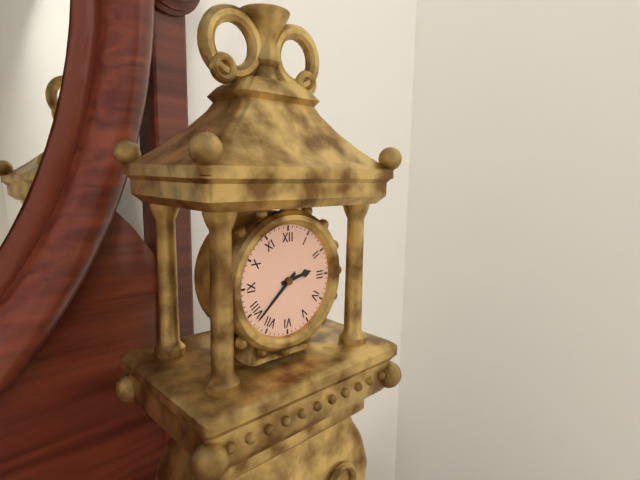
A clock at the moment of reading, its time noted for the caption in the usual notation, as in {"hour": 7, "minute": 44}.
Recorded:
{"hour": 2, "minute": 38}
